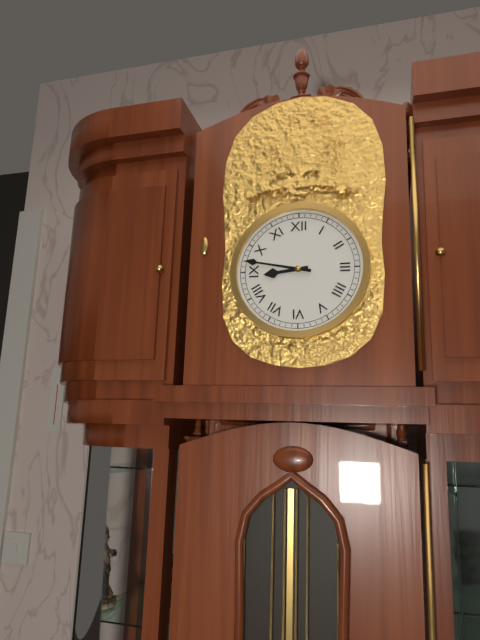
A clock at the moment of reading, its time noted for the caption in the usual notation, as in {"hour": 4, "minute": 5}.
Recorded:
{"hour": 8, "minute": 47}
